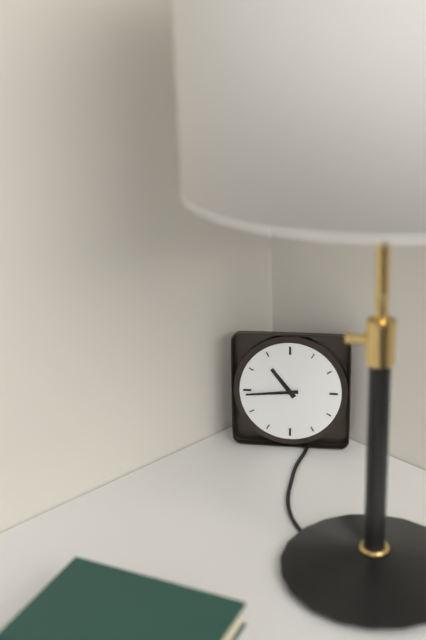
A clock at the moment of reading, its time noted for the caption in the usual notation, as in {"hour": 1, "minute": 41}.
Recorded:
{"hour": 10, "minute": 44}
